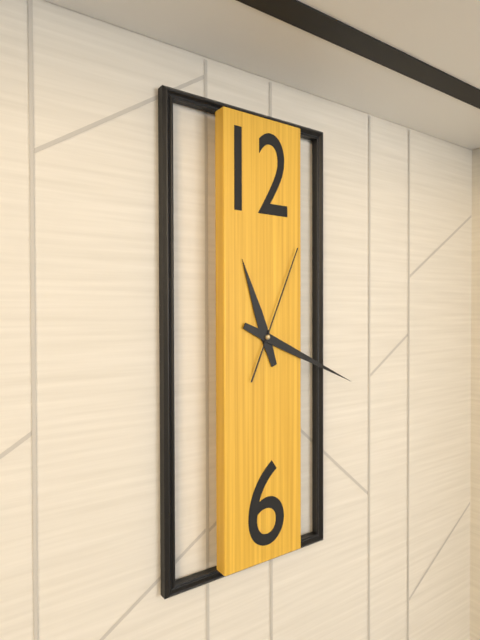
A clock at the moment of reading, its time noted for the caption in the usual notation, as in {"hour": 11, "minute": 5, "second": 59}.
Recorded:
{"hour": 11, "minute": 19, "second": 4}
